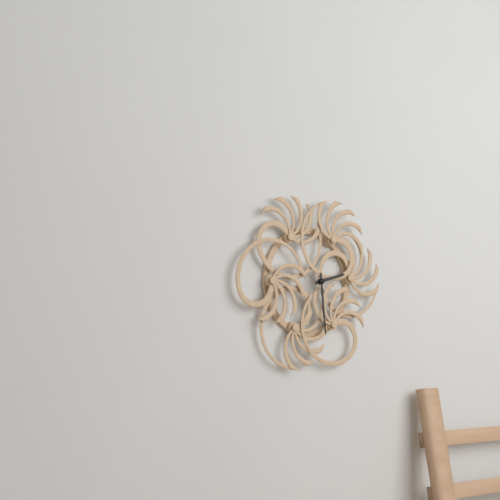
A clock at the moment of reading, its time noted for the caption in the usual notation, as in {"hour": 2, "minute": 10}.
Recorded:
{"hour": 2, "minute": 29}
